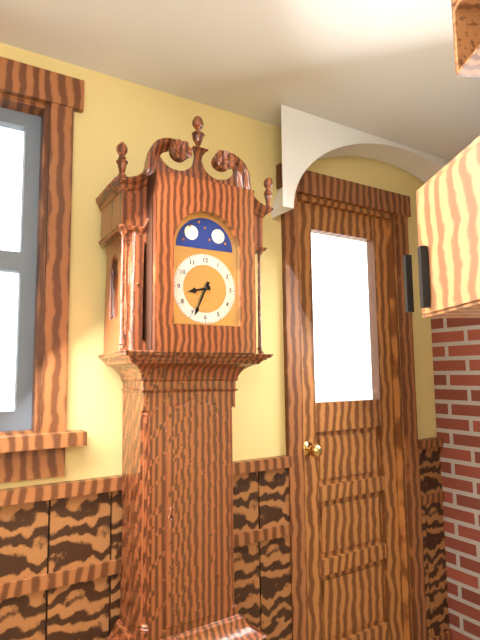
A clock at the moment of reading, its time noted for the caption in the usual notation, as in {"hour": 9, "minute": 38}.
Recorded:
{"hour": 8, "minute": 34}
